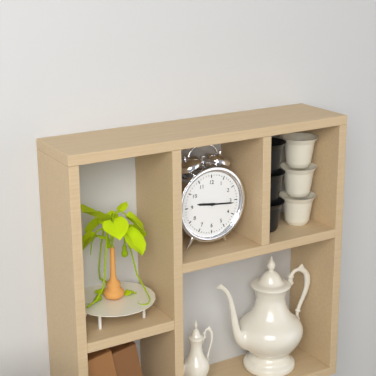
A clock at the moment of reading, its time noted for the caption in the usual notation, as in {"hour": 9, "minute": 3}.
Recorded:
{"hour": 9, "minute": 16}
